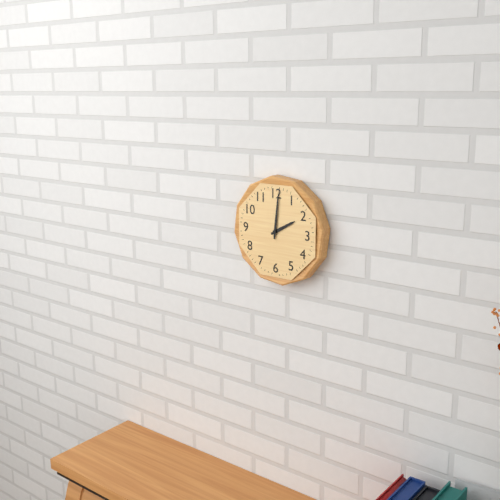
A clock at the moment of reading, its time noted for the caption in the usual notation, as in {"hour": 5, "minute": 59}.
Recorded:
{"hour": 2, "minute": 1}
